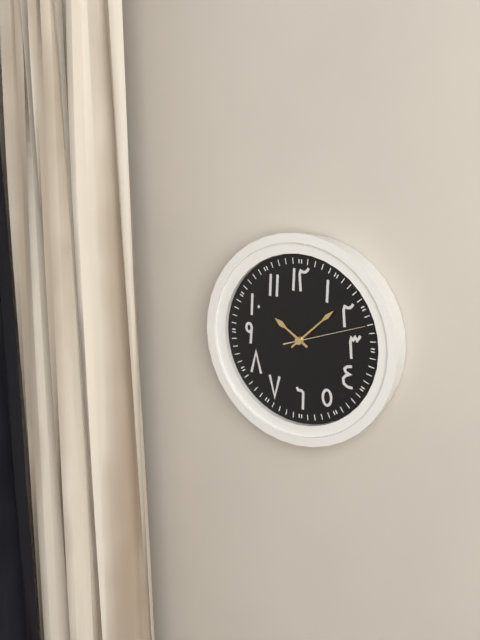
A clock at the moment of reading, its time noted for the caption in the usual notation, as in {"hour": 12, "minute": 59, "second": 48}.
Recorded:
{"hour": 10, "minute": 8, "second": 12}
